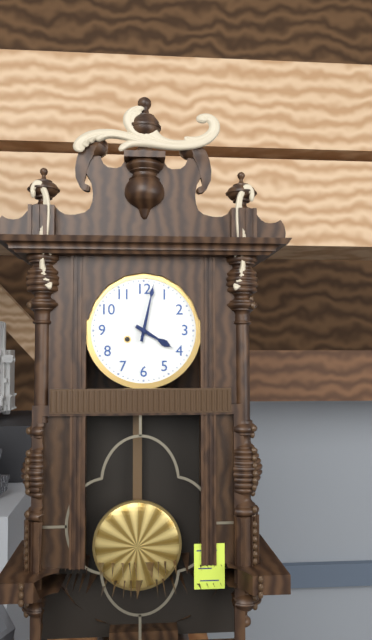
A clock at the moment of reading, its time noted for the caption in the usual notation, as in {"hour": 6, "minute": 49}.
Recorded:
{"hour": 4, "minute": 2}
